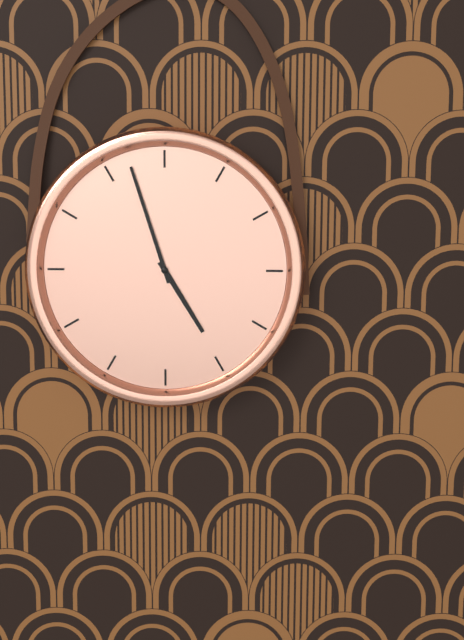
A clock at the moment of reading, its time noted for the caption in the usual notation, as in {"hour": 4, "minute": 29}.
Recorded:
{"hour": 4, "minute": 57}
